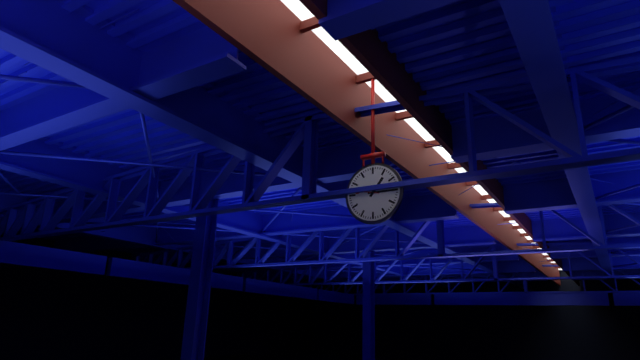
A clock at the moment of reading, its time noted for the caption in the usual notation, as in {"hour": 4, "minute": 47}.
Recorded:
{"hour": 1, "minute": 15}
